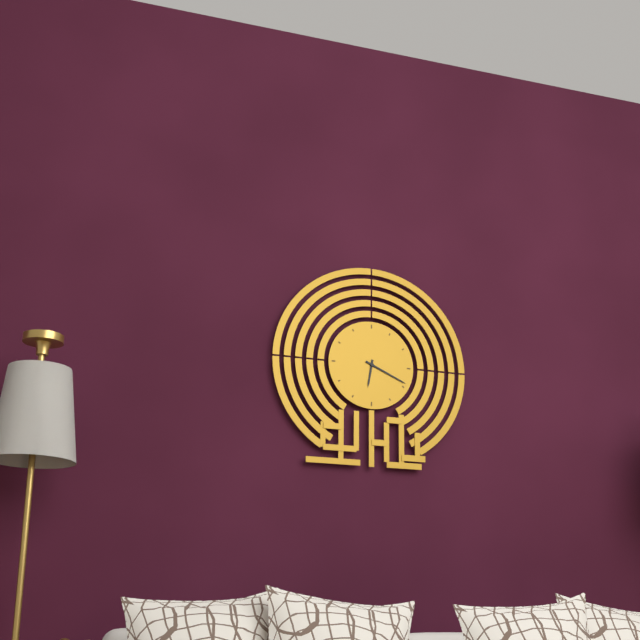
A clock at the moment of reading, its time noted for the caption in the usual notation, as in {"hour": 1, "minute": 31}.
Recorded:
{"hour": 6, "minute": 19}
